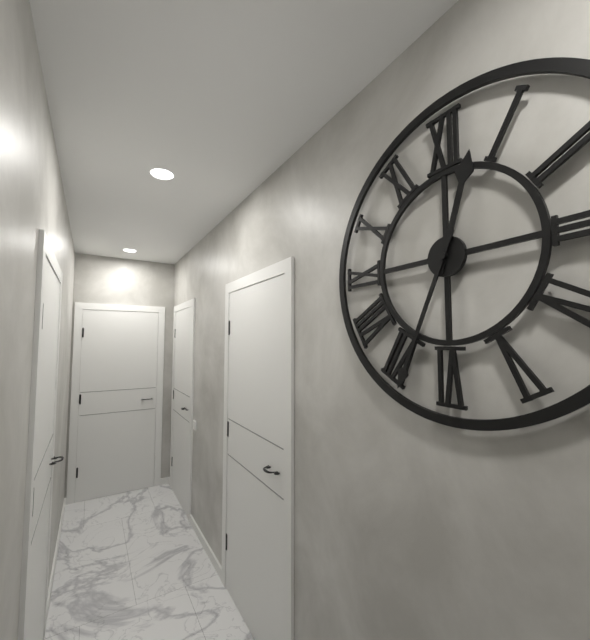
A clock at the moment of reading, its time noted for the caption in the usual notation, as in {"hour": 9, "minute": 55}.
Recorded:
{"hour": 12, "minute": 34}
